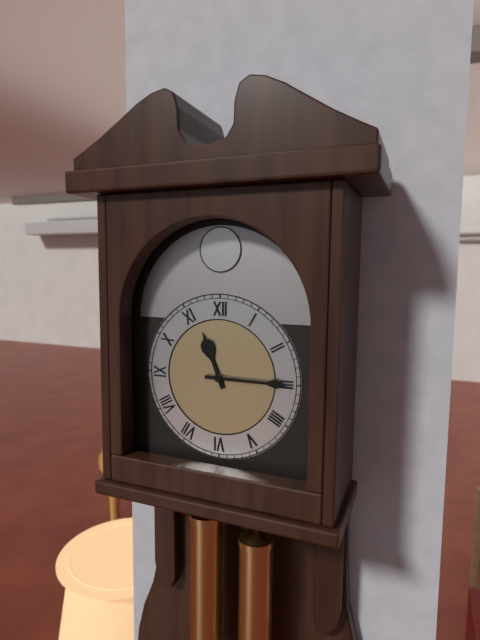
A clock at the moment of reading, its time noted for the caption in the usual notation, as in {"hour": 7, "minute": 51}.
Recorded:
{"hour": 11, "minute": 15}
